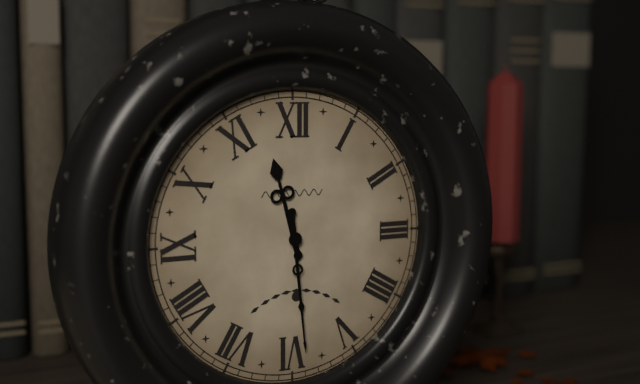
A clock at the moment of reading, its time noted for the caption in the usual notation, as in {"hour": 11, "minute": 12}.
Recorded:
{"hour": 11, "minute": 29}
